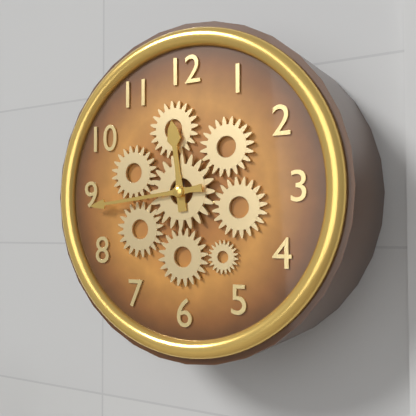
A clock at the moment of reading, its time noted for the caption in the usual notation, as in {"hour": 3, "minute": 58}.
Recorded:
{"hour": 11, "minute": 44}
